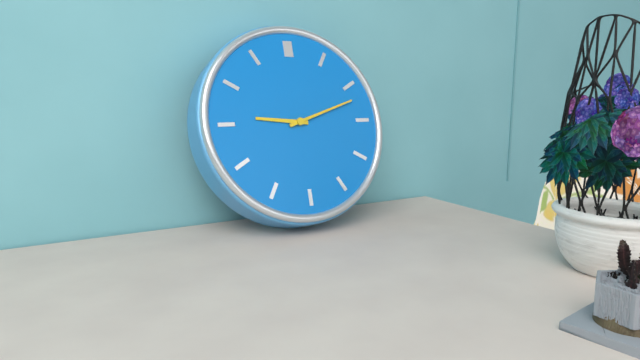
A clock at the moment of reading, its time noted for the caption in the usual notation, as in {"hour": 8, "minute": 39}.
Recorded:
{"hour": 9, "minute": 12}
